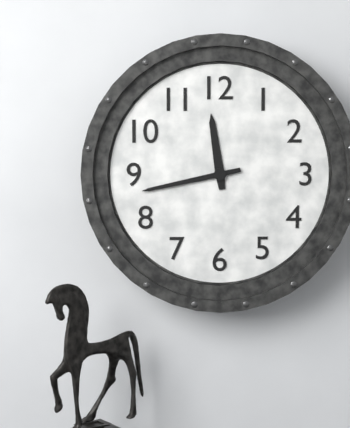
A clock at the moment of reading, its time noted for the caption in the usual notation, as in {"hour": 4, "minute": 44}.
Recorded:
{"hour": 11, "minute": 43}
